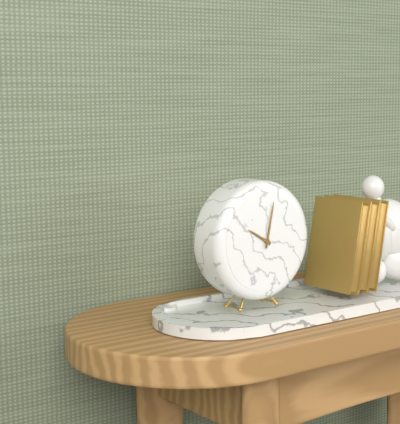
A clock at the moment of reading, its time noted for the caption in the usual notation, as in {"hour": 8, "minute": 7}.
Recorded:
{"hour": 10, "minute": 2}
